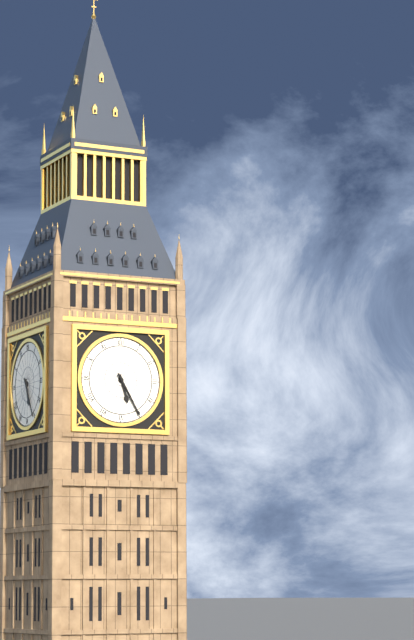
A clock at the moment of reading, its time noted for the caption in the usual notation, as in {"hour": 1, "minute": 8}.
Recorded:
{"hour": 5, "minute": 25}
